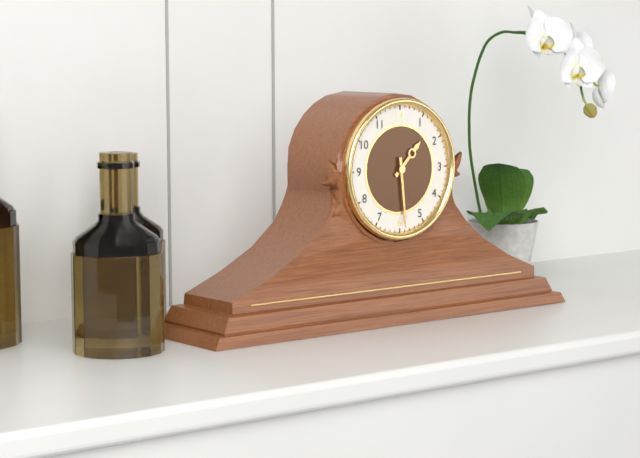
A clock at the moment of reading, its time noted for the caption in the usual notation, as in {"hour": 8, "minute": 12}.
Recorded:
{"hour": 1, "minute": 29}
